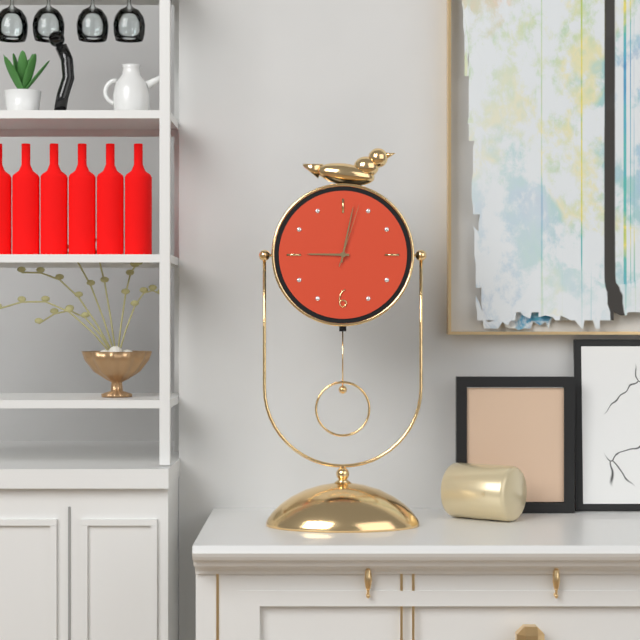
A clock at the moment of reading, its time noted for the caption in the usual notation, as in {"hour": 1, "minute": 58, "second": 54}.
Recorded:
{"hour": 9, "minute": 2, "second": 3}
